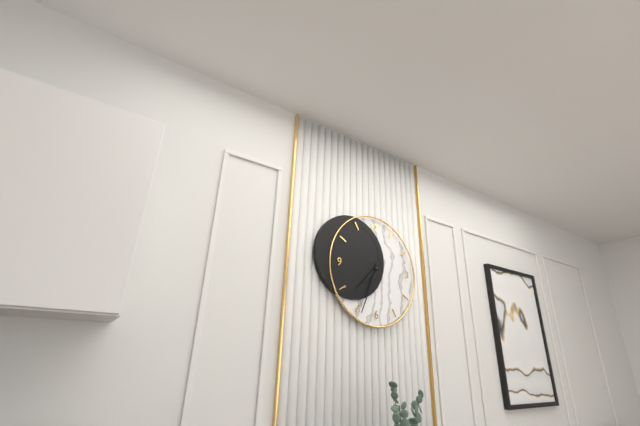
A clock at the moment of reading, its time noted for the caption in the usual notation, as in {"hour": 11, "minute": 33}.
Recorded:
{"hour": 7, "minute": 34}
